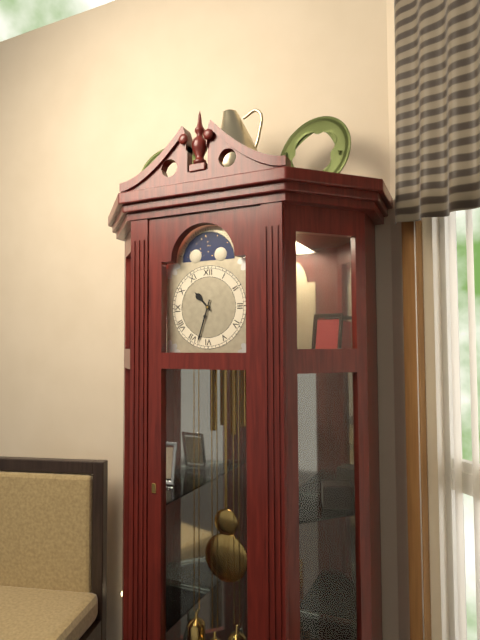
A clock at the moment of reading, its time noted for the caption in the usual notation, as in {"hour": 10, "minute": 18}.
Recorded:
{"hour": 10, "minute": 33}
